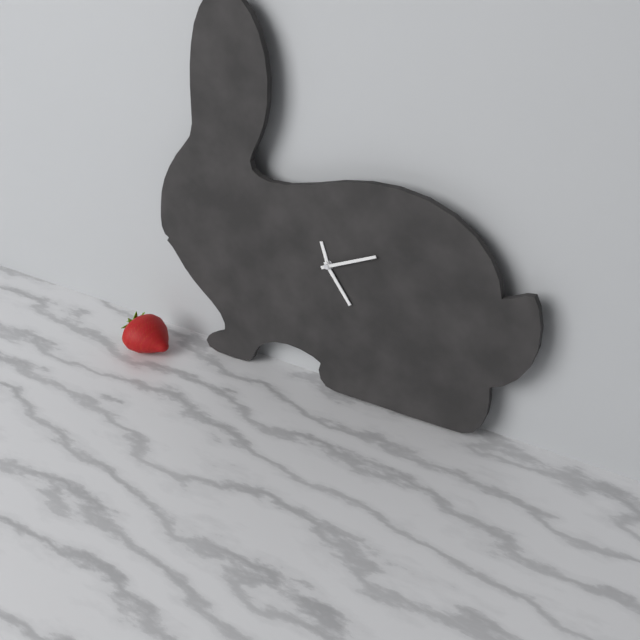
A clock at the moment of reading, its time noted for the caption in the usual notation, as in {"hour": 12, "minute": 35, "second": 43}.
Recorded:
{"hour": 11, "minute": 24, "second": 11}
